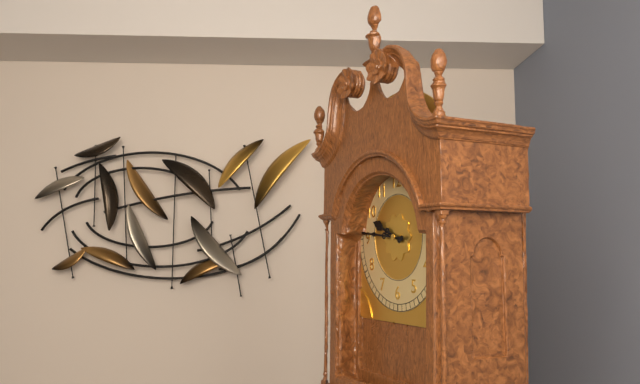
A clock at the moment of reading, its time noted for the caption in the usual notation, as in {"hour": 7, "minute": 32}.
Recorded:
{"hour": 9, "minute": 46}
